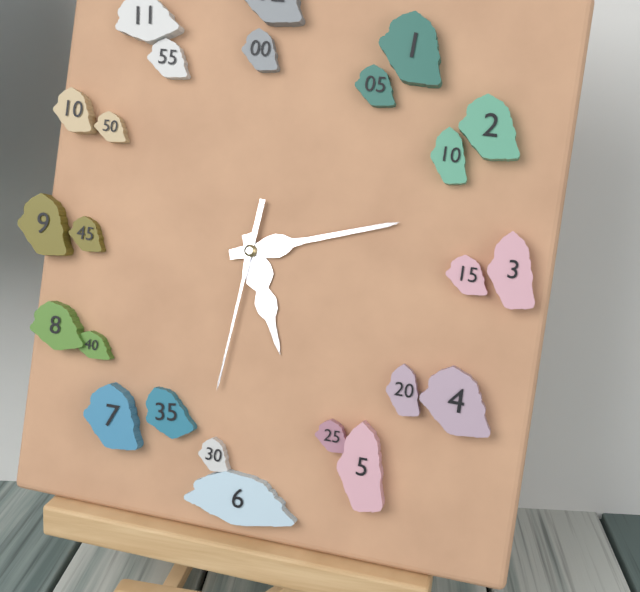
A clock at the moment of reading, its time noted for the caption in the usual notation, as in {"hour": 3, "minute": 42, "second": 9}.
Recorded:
{"hour": 5, "minute": 12, "second": 31}
